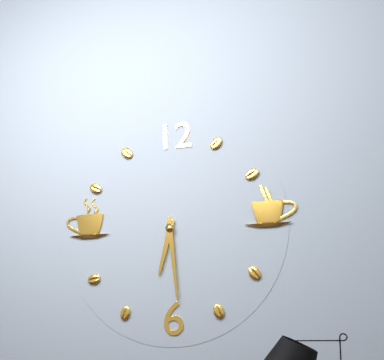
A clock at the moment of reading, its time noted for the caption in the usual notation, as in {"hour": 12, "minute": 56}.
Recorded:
{"hour": 6, "minute": 29}
